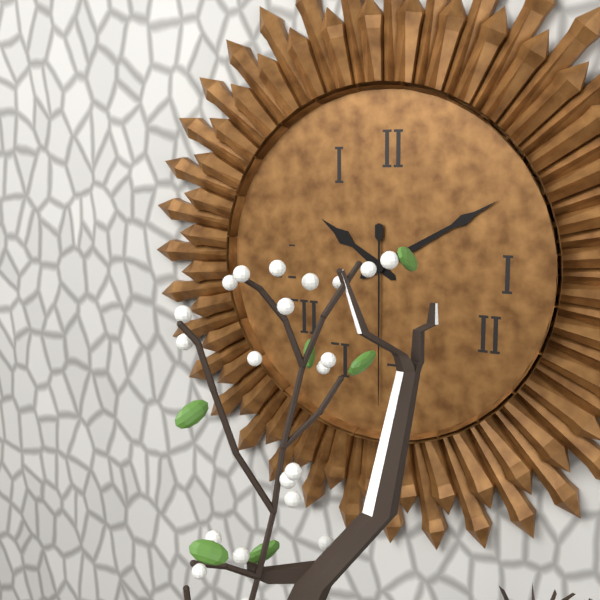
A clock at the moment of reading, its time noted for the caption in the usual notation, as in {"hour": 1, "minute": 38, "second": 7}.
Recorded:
{"hour": 10, "minute": 10, "second": 30}
